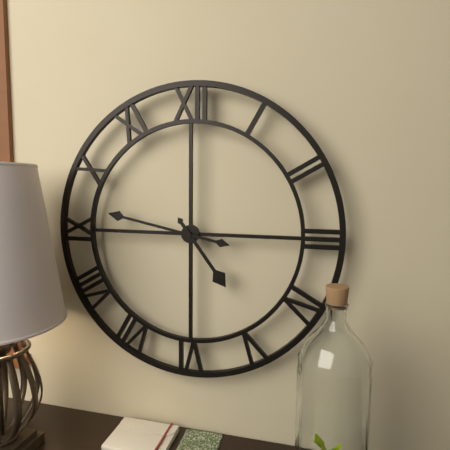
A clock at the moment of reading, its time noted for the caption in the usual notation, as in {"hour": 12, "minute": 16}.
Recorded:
{"hour": 4, "minute": 47}
